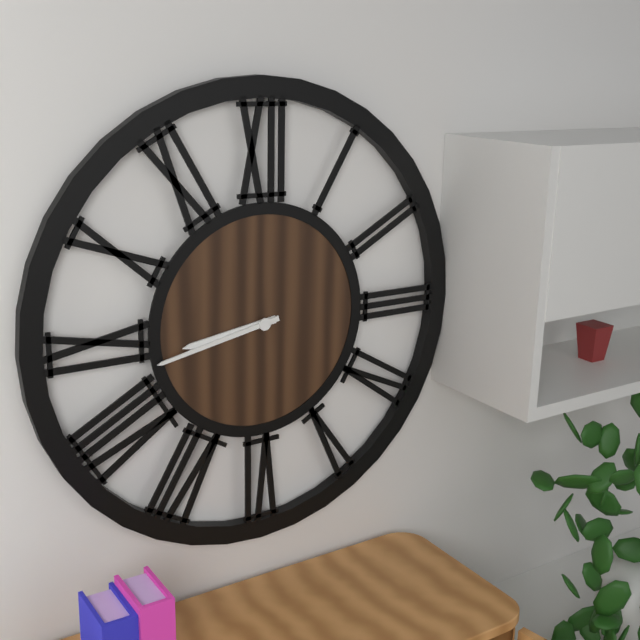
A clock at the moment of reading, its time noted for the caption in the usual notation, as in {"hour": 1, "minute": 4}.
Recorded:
{"hour": 8, "minute": 43}
